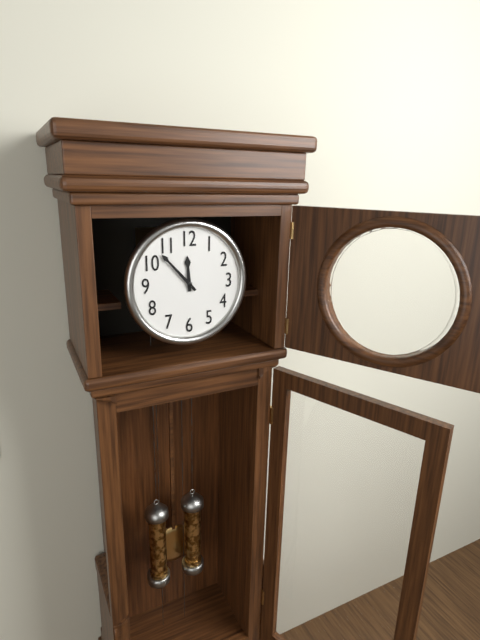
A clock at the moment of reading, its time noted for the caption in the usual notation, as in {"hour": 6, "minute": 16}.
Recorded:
{"hour": 11, "minute": 53}
